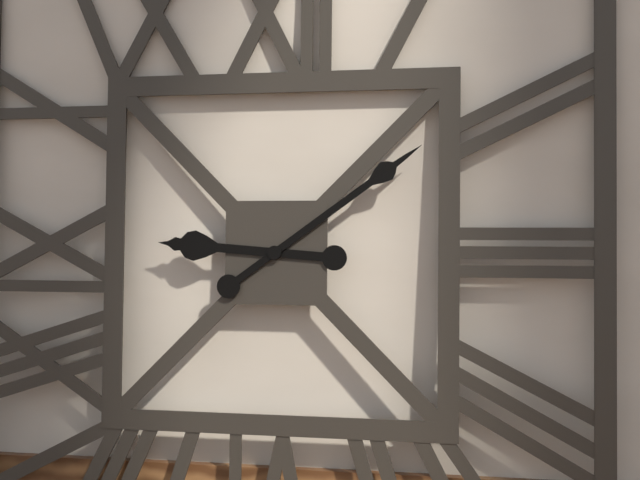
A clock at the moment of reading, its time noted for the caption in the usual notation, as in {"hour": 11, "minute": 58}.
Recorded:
{"hour": 9, "minute": 9}
